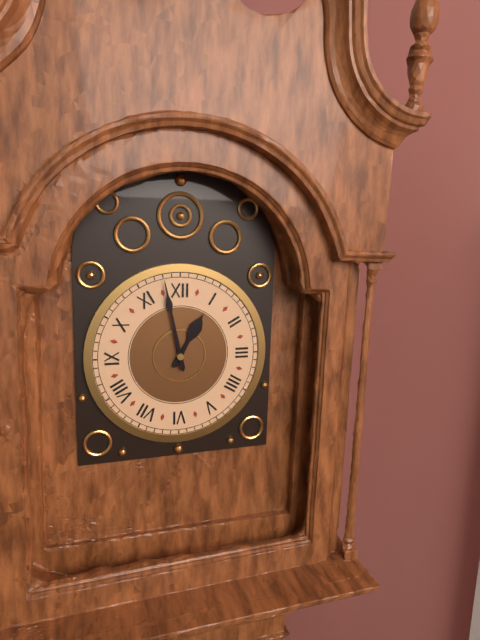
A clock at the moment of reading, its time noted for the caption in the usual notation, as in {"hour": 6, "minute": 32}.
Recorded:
{"hour": 12, "minute": 58}
